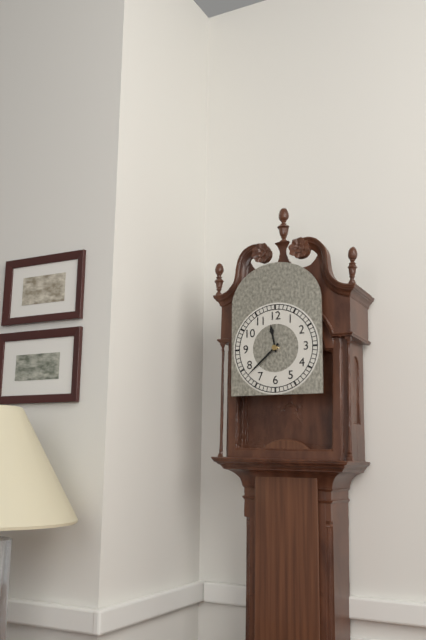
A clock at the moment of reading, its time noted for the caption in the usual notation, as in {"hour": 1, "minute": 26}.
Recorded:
{"hour": 11, "minute": 38}
